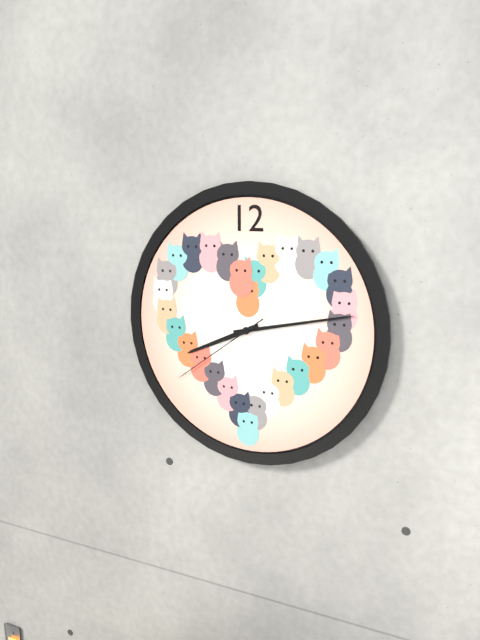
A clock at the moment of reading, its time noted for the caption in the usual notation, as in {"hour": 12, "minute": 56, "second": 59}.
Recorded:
{"hour": 8, "minute": 13, "second": 39}
